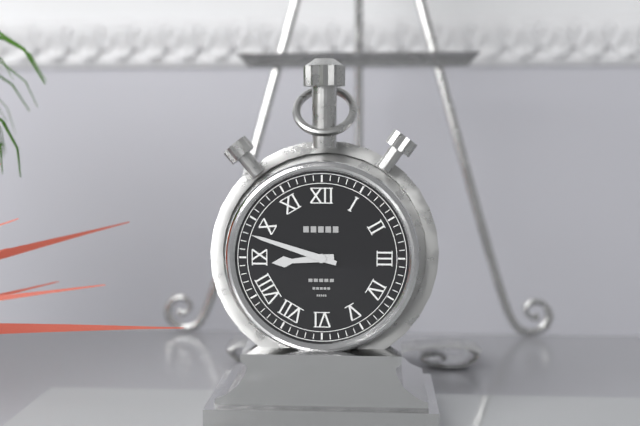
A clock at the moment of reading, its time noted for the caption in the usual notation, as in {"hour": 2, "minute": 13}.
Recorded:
{"hour": 8, "minute": 48}
